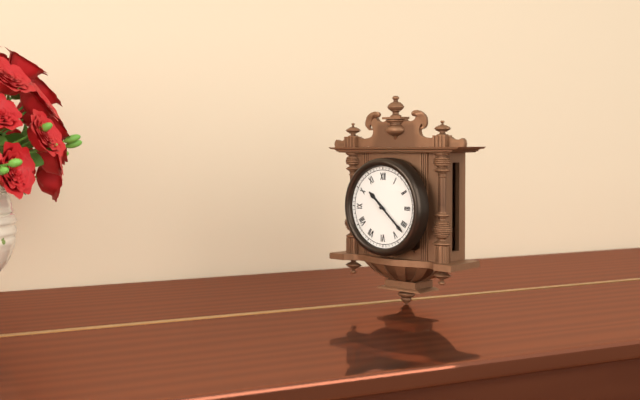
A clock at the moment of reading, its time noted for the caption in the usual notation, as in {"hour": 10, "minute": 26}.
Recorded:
{"hour": 10, "minute": 22}
